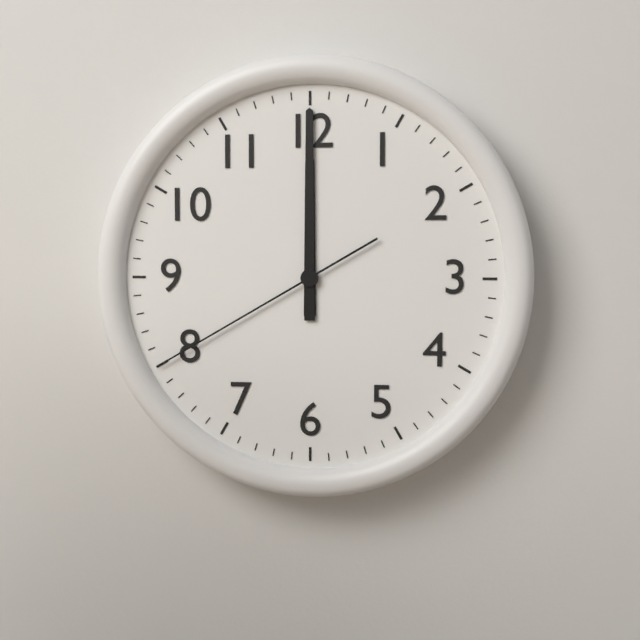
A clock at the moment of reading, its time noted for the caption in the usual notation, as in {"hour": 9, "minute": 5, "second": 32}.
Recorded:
{"hour": 12, "minute": 0, "second": 40}
